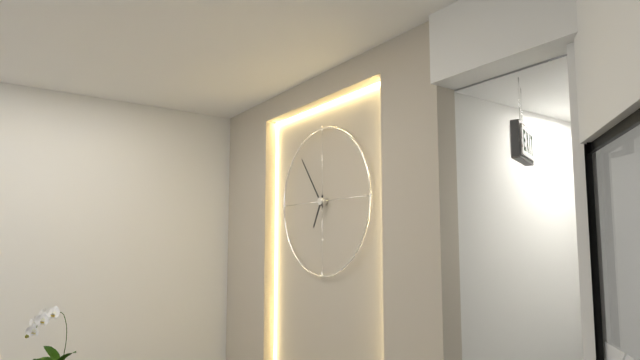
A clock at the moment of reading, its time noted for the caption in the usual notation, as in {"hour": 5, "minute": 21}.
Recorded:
{"hour": 6, "minute": 54}
